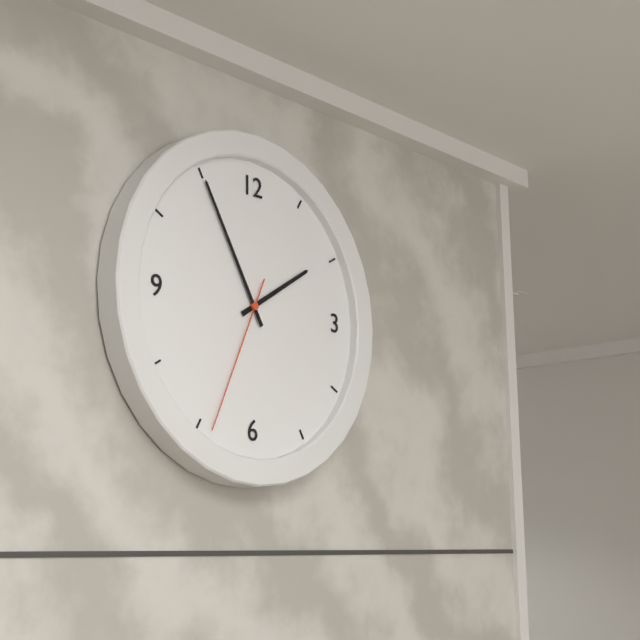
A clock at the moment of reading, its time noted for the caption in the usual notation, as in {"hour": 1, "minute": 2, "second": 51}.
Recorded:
{"hour": 1, "minute": 55, "second": 34}
